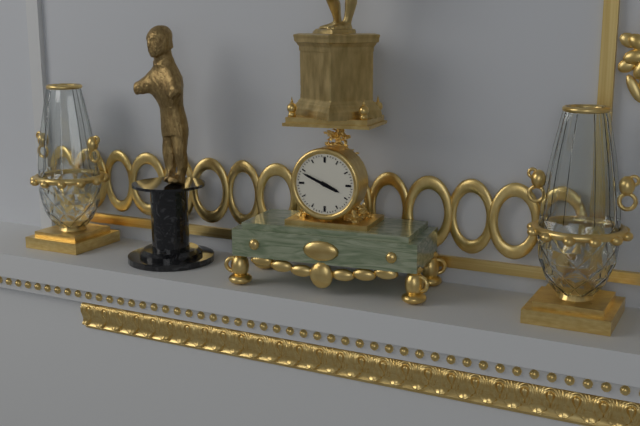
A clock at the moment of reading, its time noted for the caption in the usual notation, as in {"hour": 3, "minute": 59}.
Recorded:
{"hour": 3, "minute": 49}
